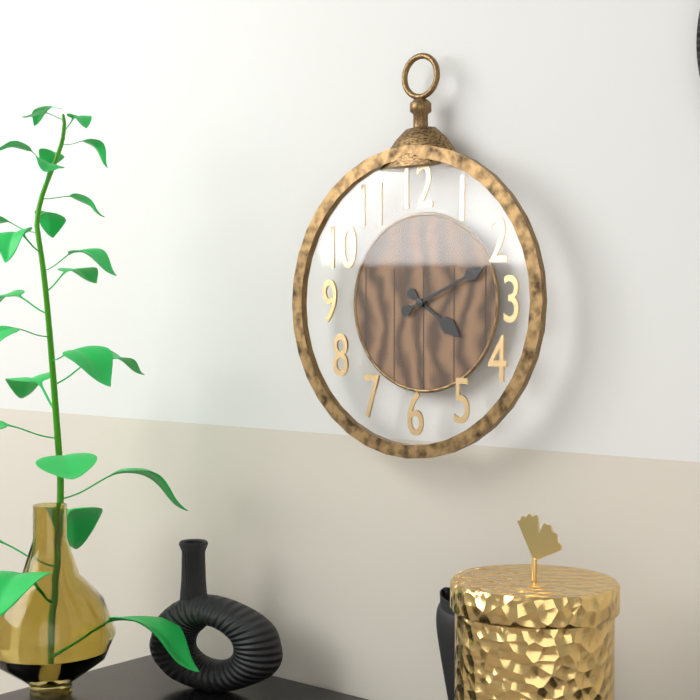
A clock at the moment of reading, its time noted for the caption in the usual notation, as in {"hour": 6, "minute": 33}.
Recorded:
{"hour": 4, "minute": 11}
